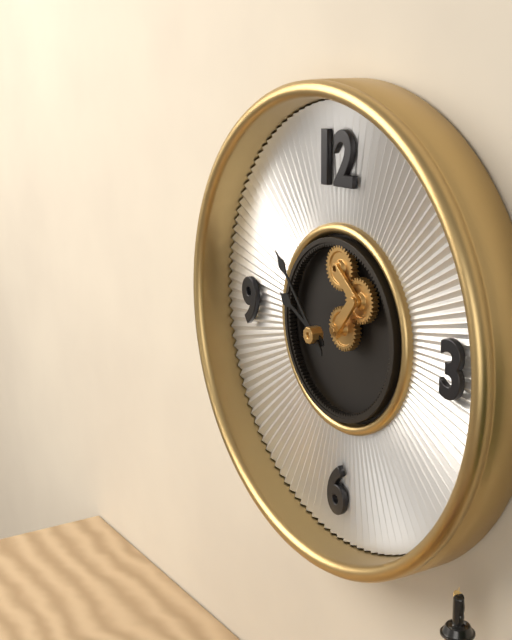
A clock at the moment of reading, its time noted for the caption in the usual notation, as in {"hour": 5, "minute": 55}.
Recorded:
{"hour": 9, "minute": 53}
